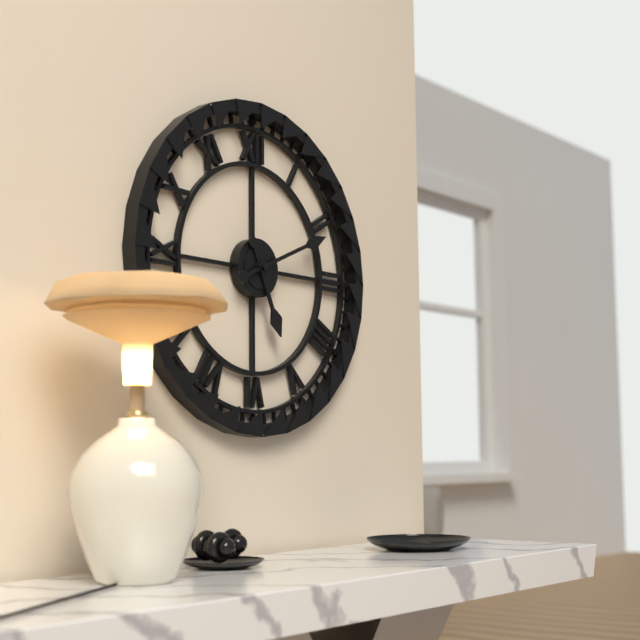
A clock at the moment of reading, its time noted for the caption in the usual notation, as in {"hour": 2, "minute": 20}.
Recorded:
{"hour": 5, "minute": 11}
